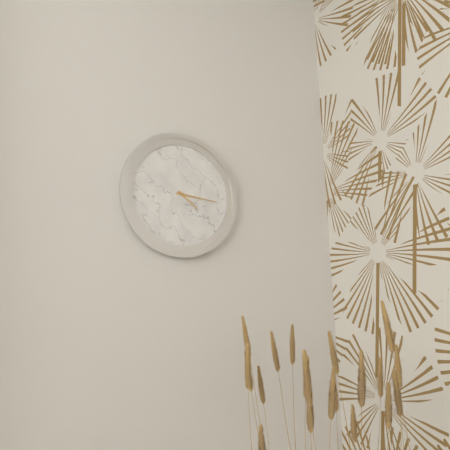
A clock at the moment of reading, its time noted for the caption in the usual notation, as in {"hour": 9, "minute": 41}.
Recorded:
{"hour": 4, "minute": 16}
